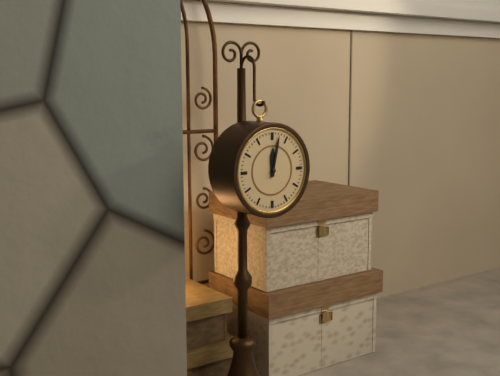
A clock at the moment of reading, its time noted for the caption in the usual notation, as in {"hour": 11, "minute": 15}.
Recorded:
{"hour": 12, "minute": 2}
